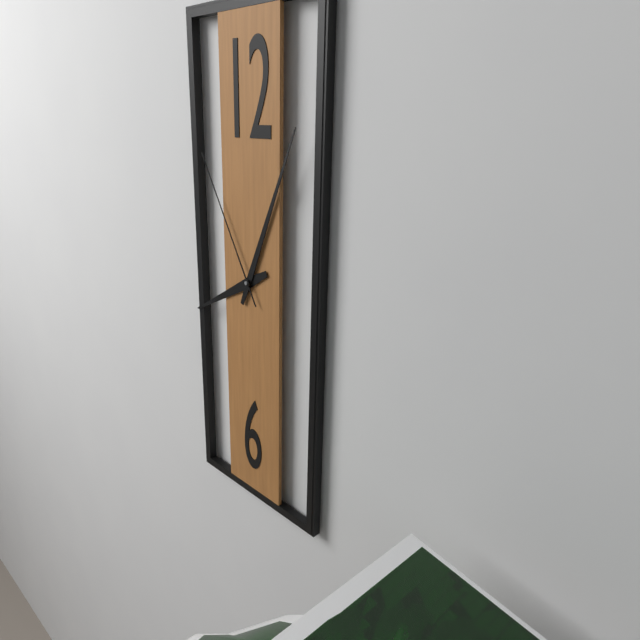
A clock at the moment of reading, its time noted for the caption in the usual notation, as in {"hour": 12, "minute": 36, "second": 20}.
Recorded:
{"hour": 8, "minute": 4, "second": 55}
